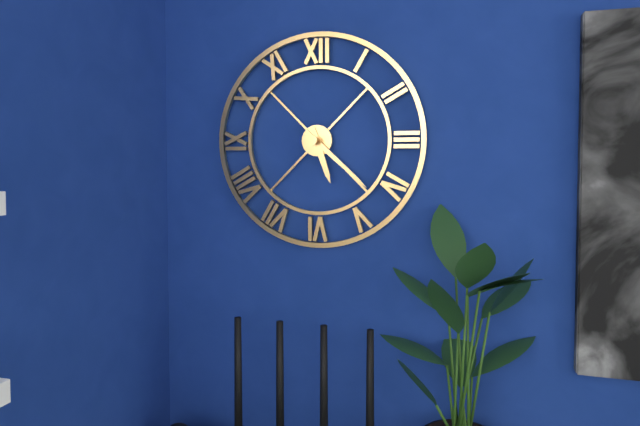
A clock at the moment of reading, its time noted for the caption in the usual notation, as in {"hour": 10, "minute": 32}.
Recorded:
{"hour": 5, "minute": 22}
